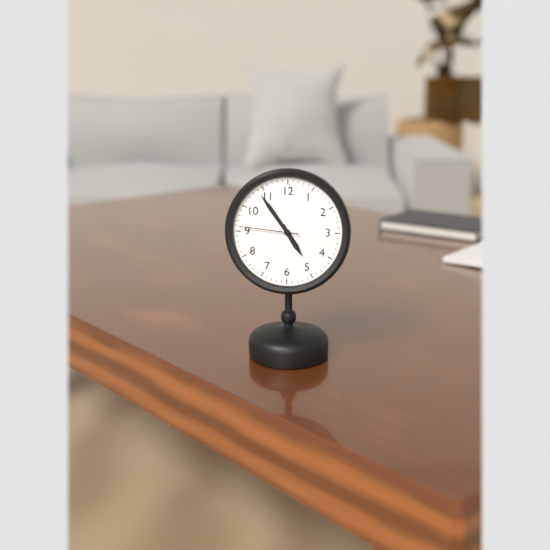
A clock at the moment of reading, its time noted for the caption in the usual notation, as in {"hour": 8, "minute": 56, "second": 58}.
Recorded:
{"hour": 4, "minute": 54, "second": 46}
